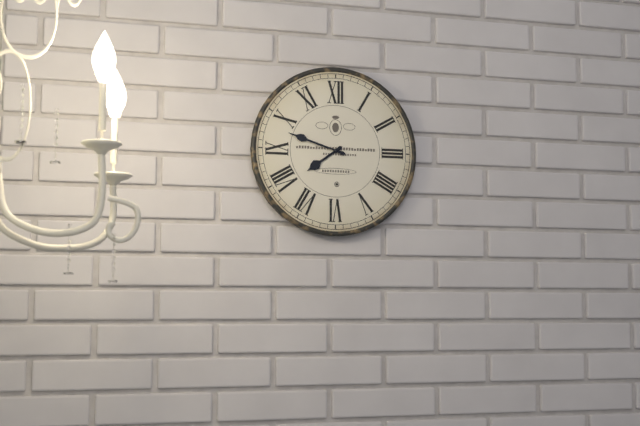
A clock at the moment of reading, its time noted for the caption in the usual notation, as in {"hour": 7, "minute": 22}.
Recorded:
{"hour": 7, "minute": 48}
